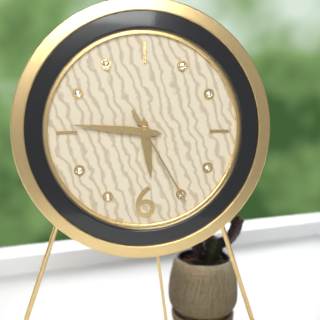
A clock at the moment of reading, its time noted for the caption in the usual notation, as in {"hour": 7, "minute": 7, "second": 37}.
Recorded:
{"hour": 5, "minute": 46, "second": 25}
